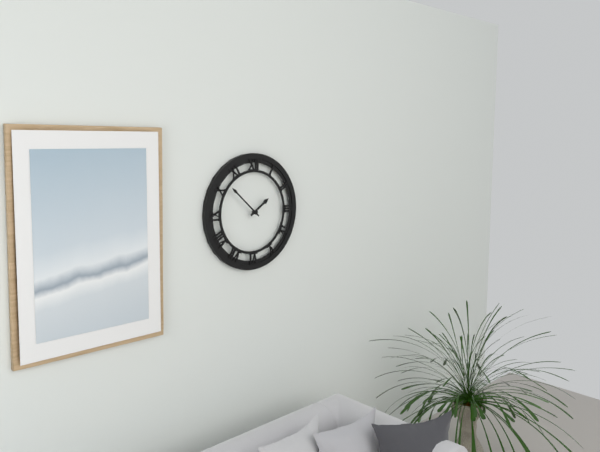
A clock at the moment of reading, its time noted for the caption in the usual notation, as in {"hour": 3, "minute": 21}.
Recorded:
{"hour": 1, "minute": 52}
